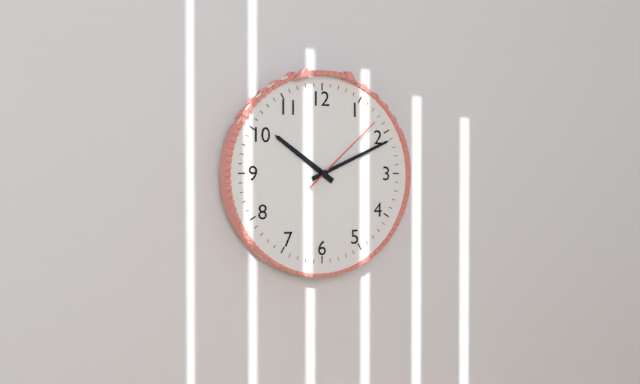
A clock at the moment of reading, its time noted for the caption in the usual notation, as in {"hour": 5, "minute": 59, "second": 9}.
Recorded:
{"hour": 10, "minute": 11, "second": 8}
